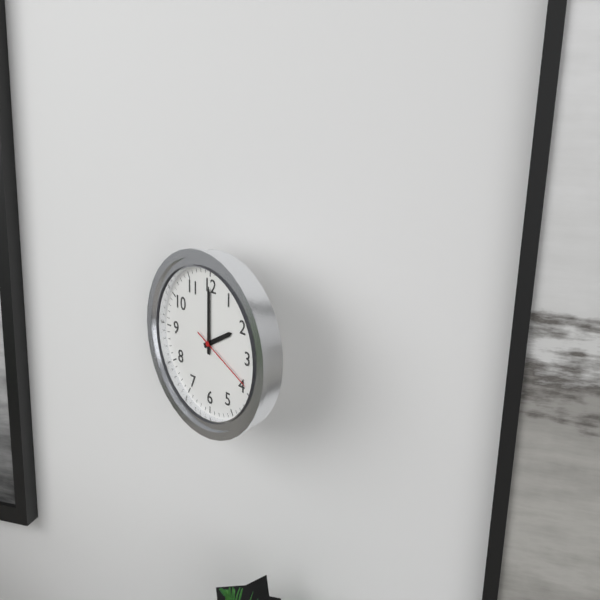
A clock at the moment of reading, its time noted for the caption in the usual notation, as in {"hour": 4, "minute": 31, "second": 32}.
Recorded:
{"hour": 2, "minute": 0, "second": 19}
